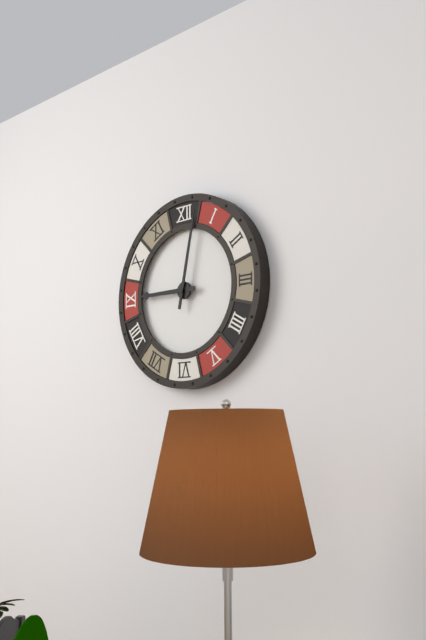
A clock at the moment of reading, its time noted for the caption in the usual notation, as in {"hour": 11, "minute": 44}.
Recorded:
{"hour": 9, "minute": 2}
